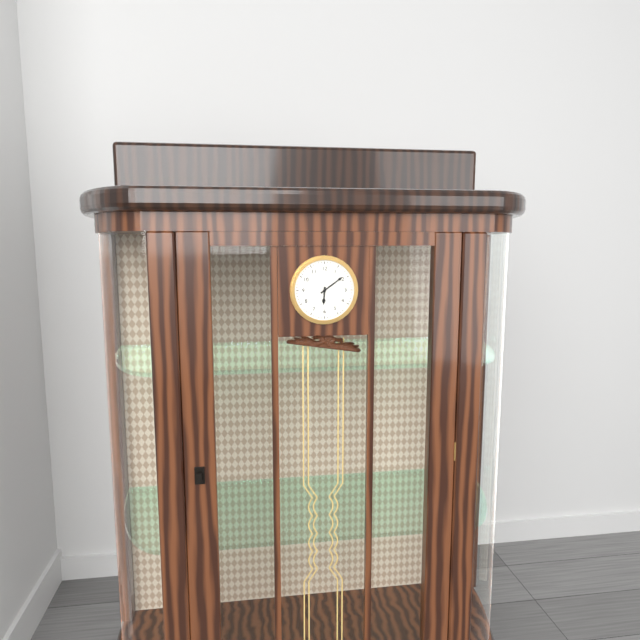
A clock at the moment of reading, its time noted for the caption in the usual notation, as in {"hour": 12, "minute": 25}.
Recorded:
{"hour": 6, "minute": 9}
